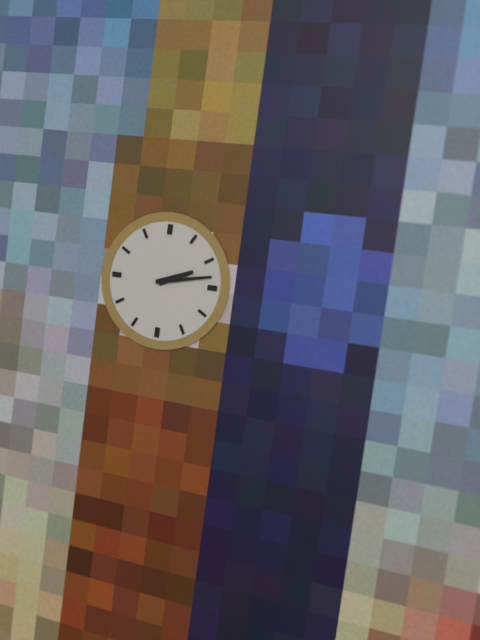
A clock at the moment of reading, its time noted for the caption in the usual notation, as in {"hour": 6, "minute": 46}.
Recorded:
{"hour": 2, "minute": 13}
